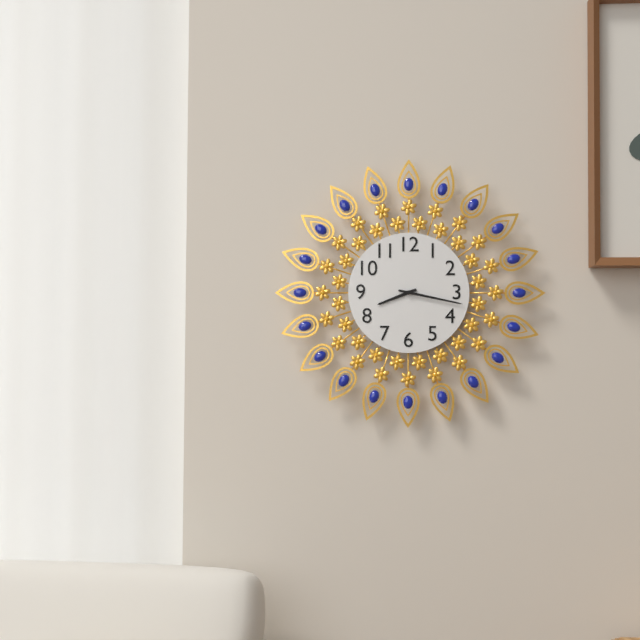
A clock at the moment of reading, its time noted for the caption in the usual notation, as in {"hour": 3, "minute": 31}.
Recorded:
{"hour": 8, "minute": 17}
